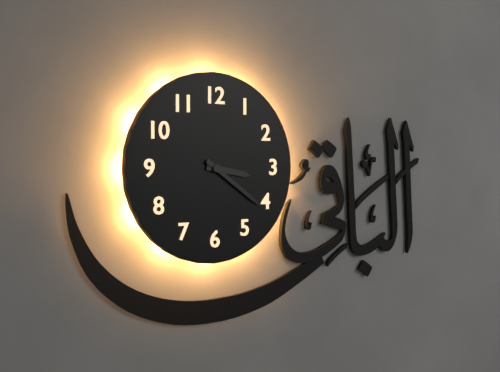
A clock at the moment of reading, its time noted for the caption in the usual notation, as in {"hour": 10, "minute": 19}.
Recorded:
{"hour": 3, "minute": 21}
